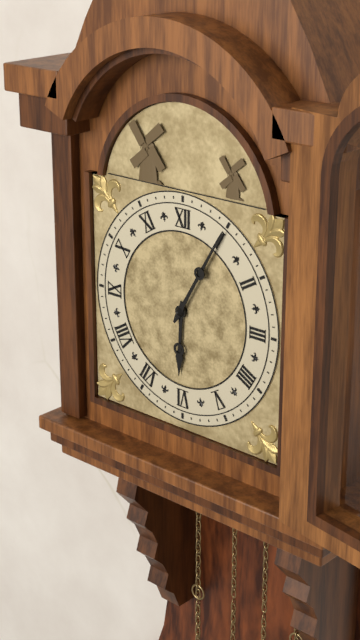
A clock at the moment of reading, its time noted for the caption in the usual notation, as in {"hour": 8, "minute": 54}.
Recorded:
{"hour": 6, "minute": 5}
